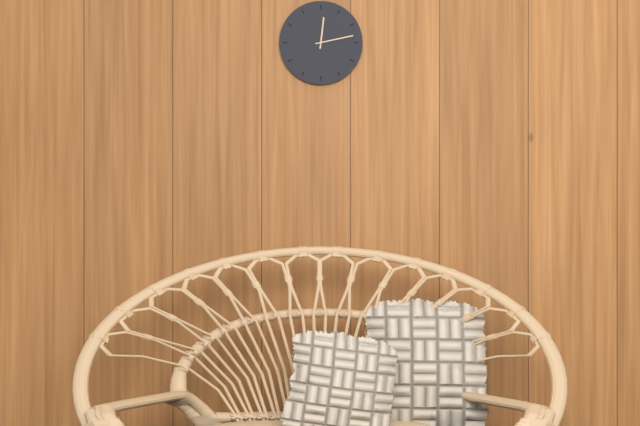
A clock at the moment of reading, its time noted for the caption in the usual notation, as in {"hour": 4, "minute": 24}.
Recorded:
{"hour": 12, "minute": 13}
